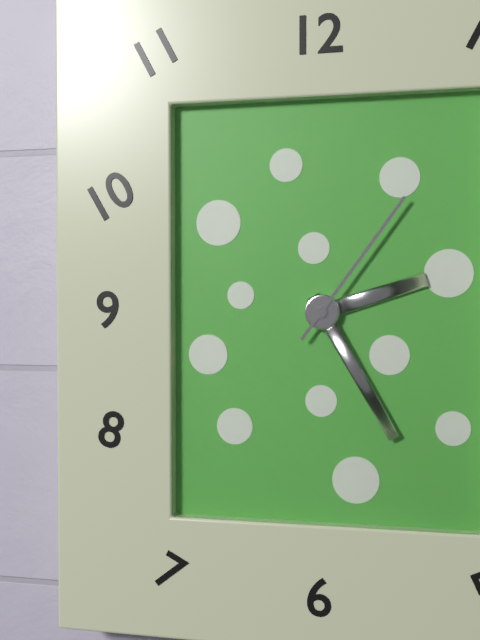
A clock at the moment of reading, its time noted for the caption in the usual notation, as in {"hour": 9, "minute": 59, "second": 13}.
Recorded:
{"hour": 2, "minute": 25, "second": 6}
